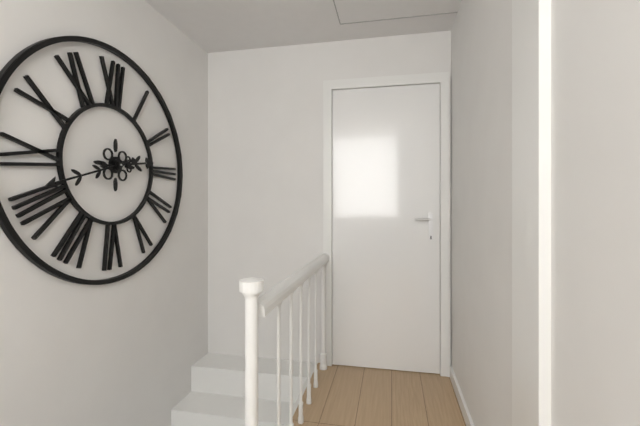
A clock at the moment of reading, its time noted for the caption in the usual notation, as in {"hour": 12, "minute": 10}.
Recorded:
{"hour": 2, "minute": 42}
